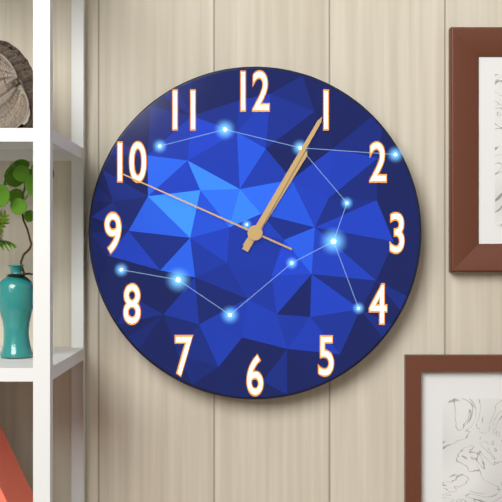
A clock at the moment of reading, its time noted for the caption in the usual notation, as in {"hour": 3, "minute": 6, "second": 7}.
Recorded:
{"hour": 1, "minute": 5, "second": 49}
